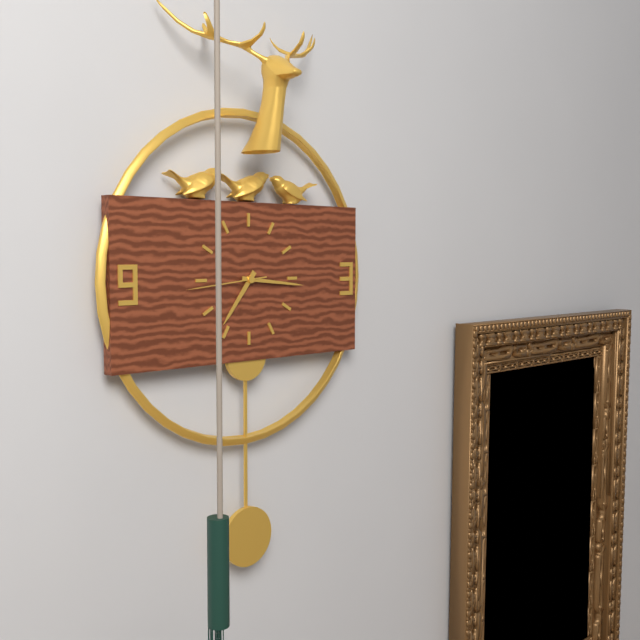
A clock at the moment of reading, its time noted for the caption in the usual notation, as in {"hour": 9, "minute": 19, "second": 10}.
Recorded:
{"hour": 7, "minute": 16, "second": 44}
